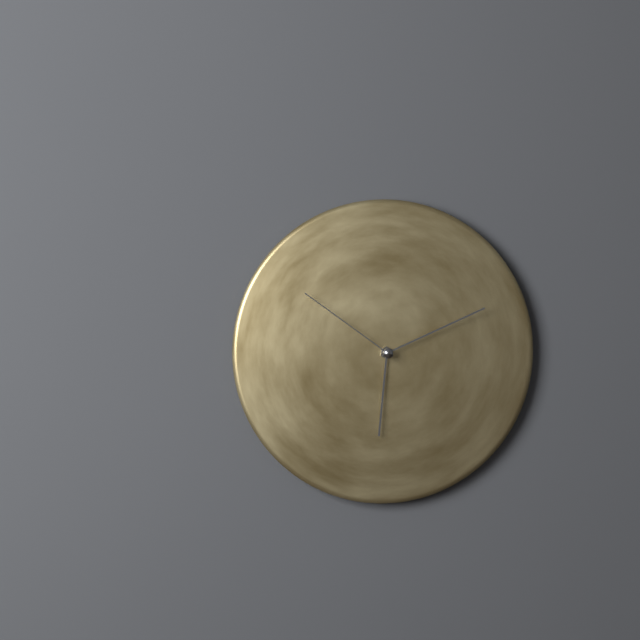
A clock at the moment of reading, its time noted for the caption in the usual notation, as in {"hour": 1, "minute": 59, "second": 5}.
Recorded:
{"hour": 6, "minute": 11, "second": 51}
